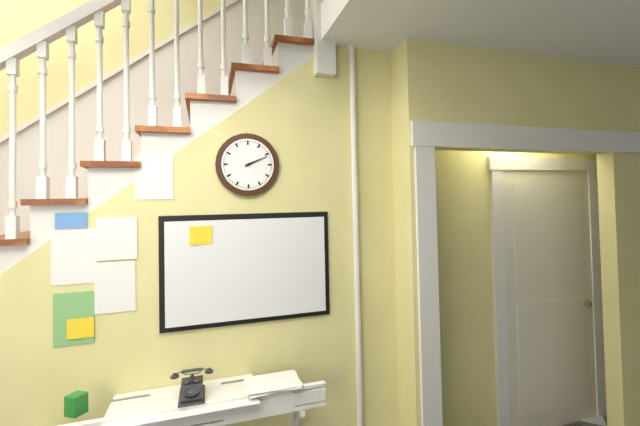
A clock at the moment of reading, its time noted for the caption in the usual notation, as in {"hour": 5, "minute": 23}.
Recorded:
{"hour": 2, "minute": 11}
